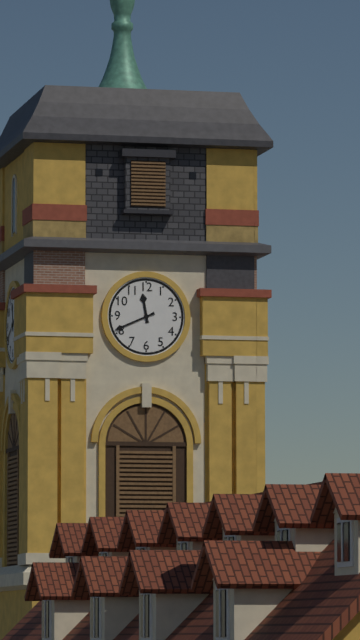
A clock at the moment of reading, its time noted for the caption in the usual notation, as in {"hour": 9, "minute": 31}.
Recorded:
{"hour": 11, "minute": 41}
